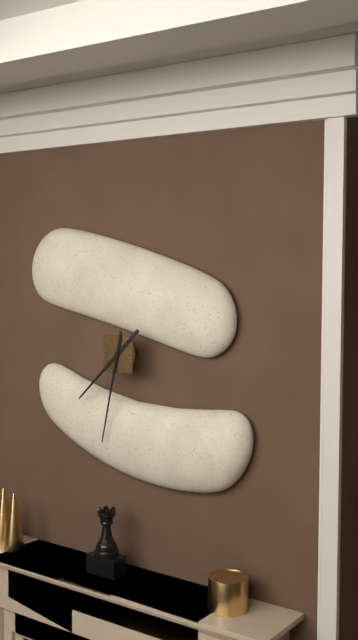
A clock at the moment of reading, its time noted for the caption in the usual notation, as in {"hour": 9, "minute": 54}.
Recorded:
{"hour": 7, "minute": 32}
